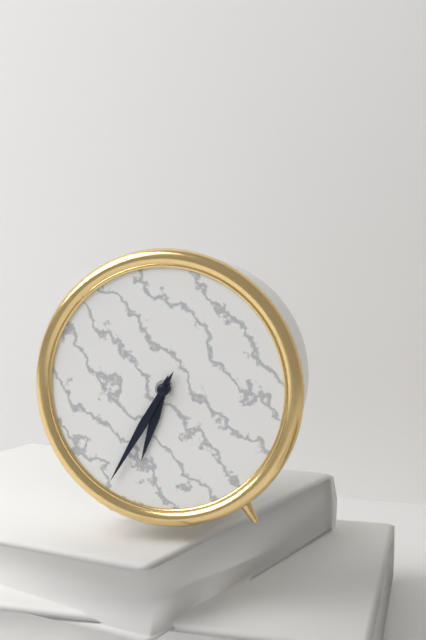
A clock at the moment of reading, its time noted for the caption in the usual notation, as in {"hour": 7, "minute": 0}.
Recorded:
{"hour": 6, "minute": 35}
